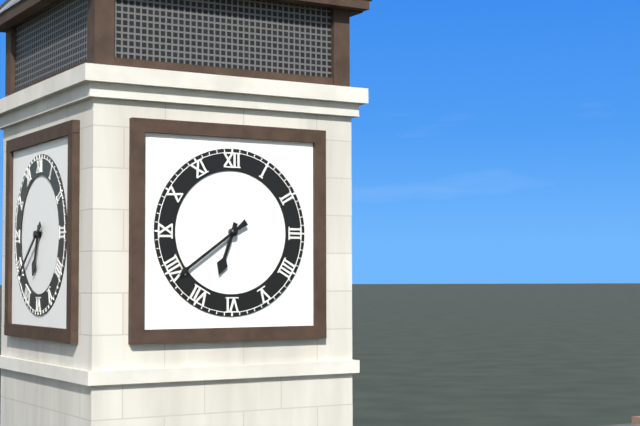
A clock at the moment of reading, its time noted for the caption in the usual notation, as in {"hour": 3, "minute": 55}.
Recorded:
{"hour": 6, "minute": 39}
